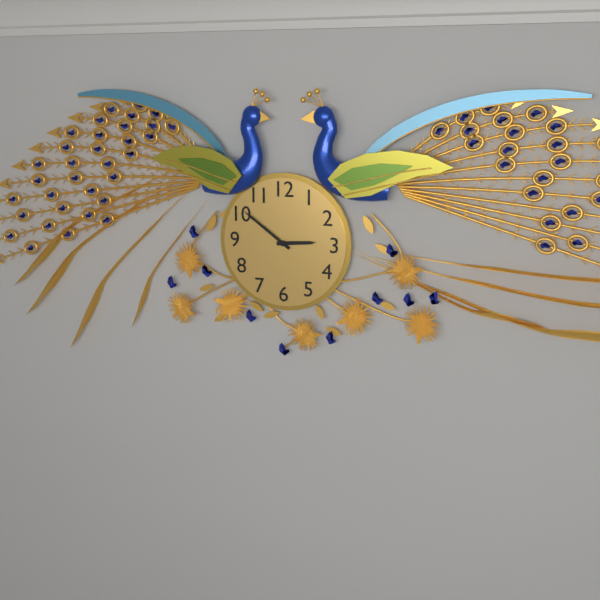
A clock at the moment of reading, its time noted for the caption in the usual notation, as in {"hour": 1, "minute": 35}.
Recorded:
{"hour": 2, "minute": 51}
